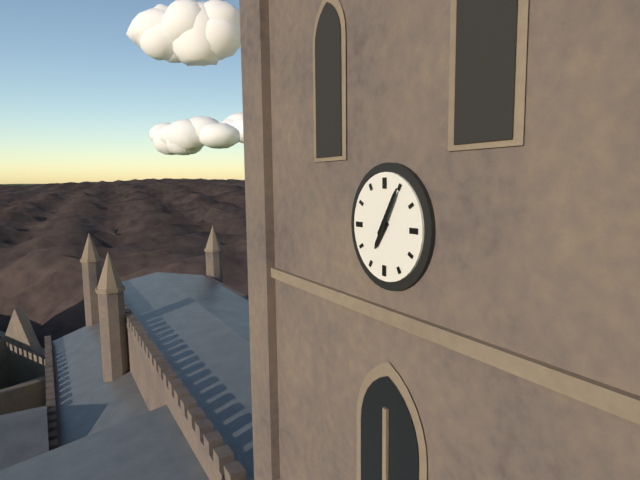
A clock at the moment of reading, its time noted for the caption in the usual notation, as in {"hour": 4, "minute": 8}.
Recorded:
{"hour": 7, "minute": 5}
